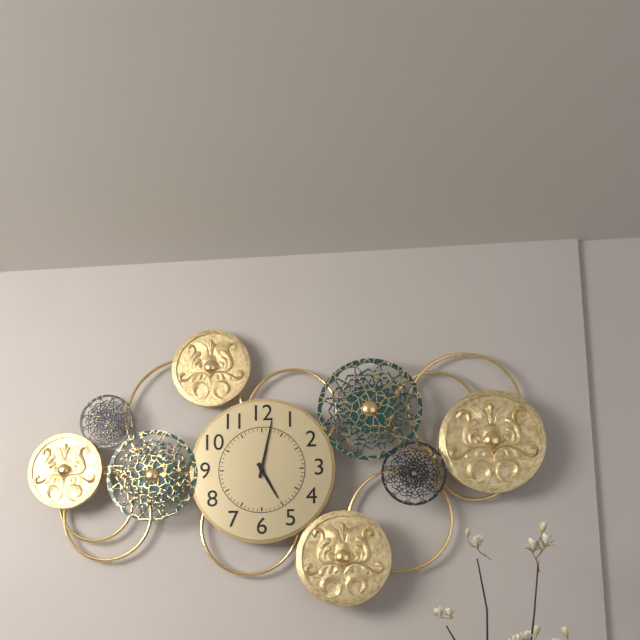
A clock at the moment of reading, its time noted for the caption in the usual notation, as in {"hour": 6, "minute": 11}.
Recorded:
{"hour": 5, "minute": 2}
